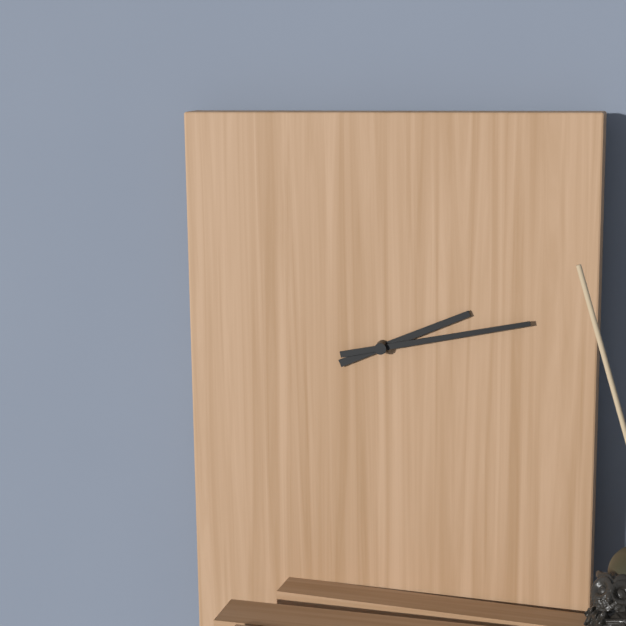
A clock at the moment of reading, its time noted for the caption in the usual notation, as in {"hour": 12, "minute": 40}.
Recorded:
{"hour": 2, "minute": 13}
